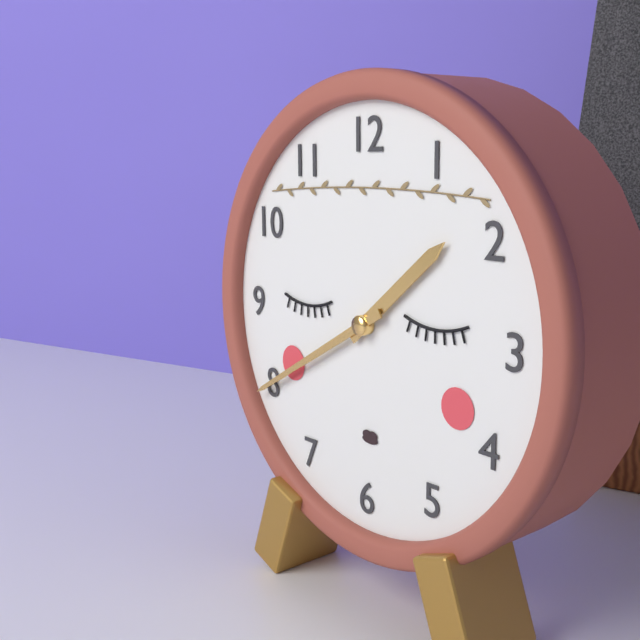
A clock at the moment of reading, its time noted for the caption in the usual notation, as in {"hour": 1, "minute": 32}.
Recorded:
{"hour": 1, "minute": 40}
